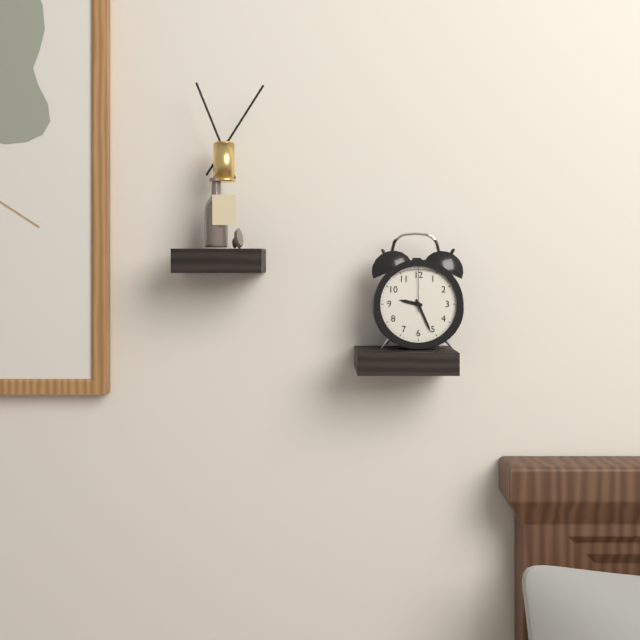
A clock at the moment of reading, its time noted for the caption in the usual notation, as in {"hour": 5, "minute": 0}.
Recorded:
{"hour": 9, "minute": 26}
